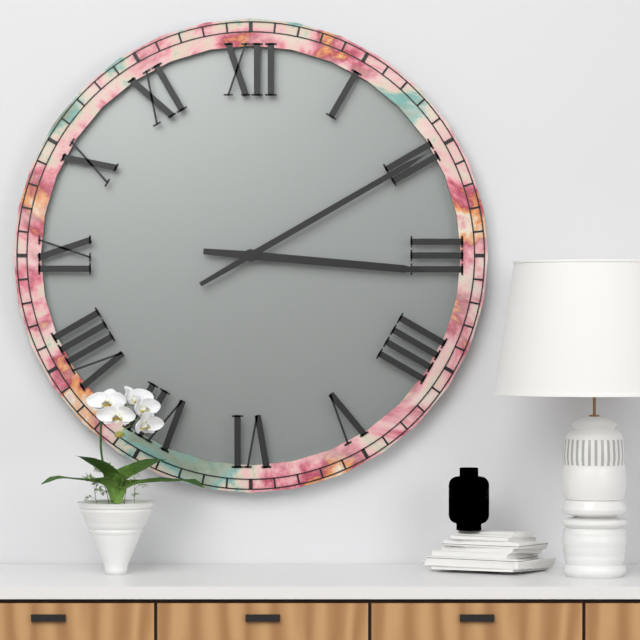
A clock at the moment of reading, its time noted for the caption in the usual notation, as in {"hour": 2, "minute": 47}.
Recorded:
{"hour": 3, "minute": 10}
